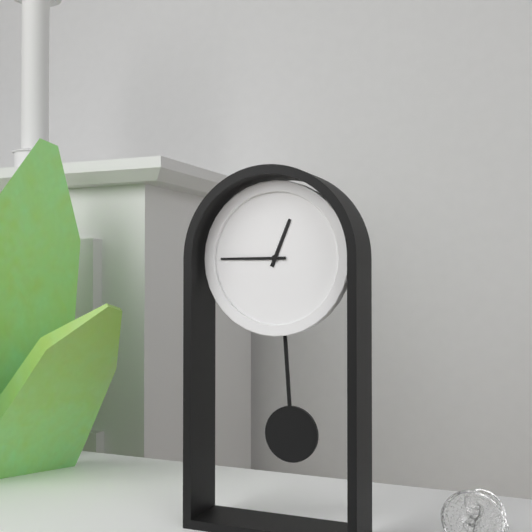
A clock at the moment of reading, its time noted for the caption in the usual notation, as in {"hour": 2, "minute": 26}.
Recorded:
{"hour": 12, "minute": 45}
